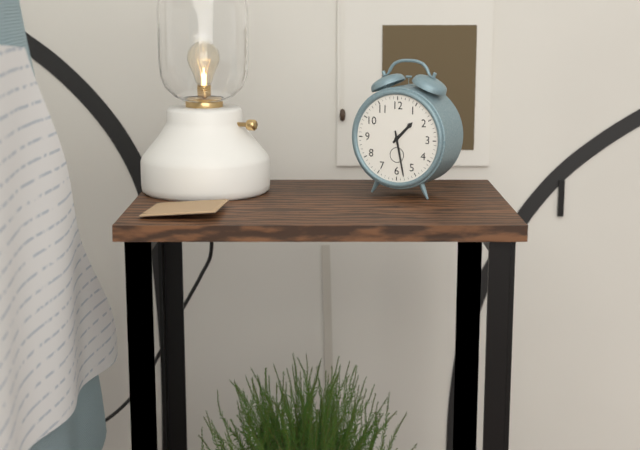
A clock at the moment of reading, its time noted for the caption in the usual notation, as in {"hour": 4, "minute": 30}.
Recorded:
{"hour": 1, "minute": 28}
